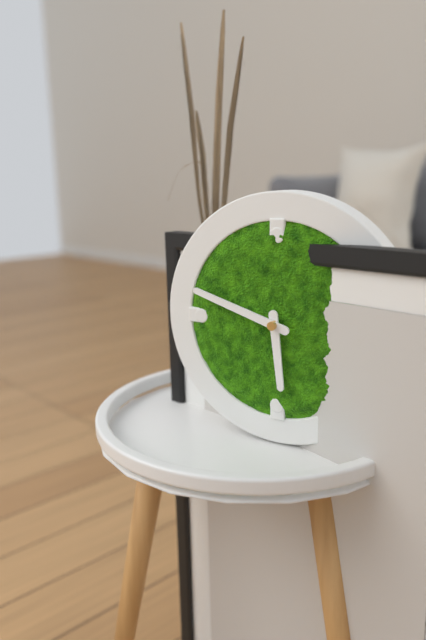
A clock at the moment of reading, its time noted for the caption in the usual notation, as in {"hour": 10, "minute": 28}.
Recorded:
{"hour": 5, "minute": 48}
